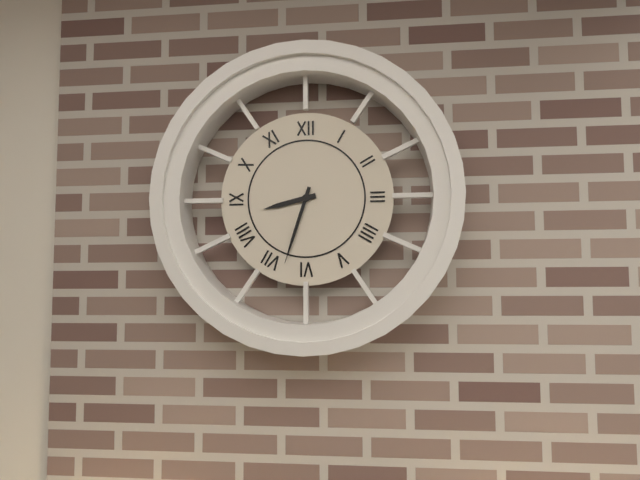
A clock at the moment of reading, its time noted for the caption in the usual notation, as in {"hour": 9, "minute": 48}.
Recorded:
{"hour": 8, "minute": 33}
